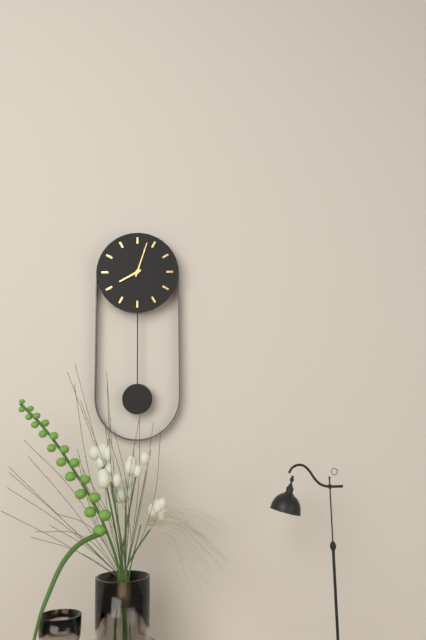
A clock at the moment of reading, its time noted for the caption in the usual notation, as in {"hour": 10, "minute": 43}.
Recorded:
{"hour": 8, "minute": 3}
